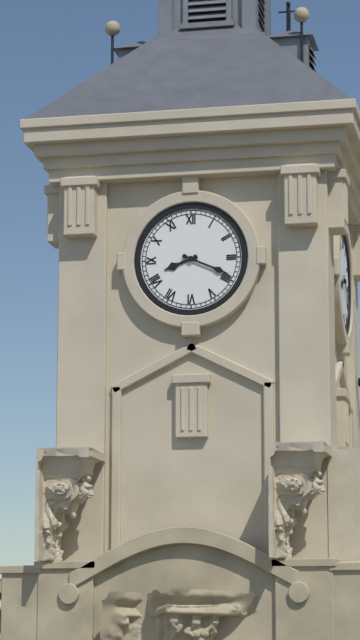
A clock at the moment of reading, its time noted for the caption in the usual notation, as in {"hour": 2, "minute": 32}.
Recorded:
{"hour": 8, "minute": 19}
